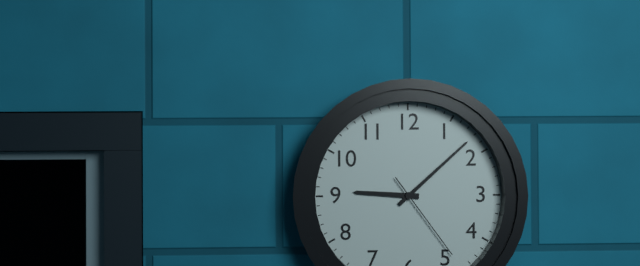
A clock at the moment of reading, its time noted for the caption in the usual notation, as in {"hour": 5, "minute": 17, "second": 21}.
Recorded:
{"hour": 9, "minute": 8, "second": 24}
